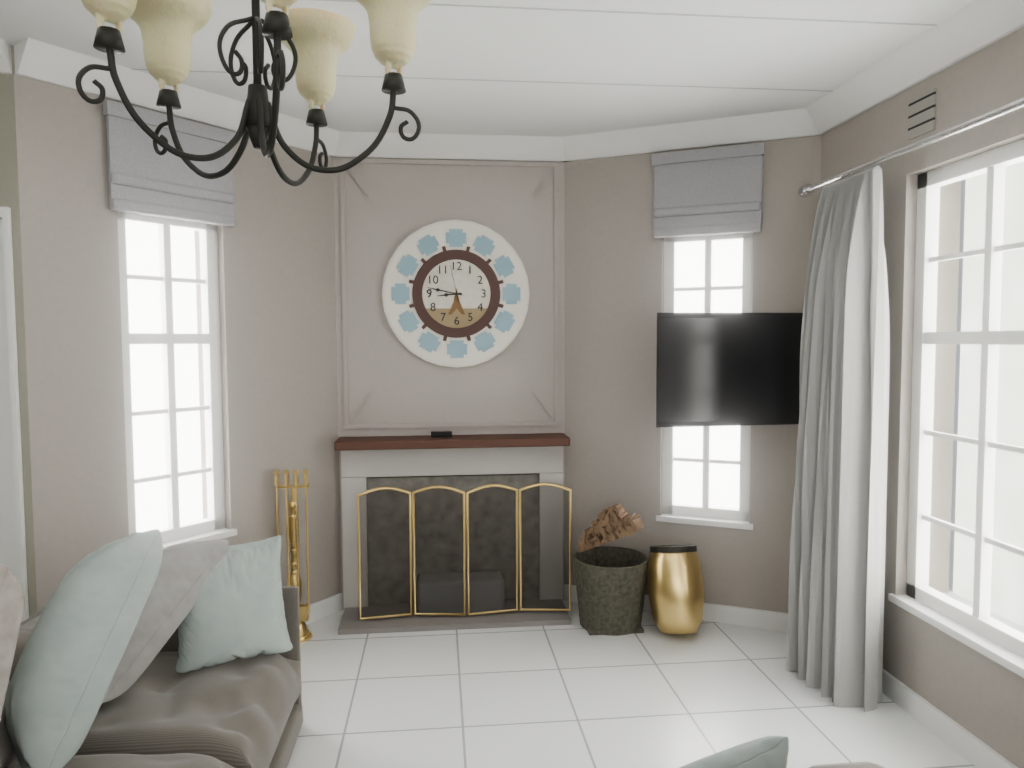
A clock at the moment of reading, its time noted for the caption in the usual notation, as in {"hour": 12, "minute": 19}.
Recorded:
{"hour": 8, "minute": 47}
